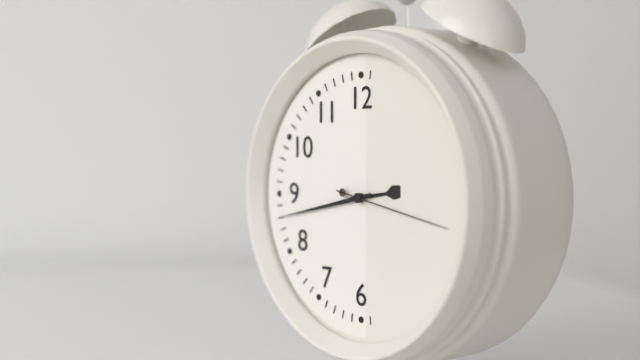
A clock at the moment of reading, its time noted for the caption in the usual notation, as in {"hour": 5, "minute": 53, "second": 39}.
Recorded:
{"hour": 2, "minute": 43, "second": 17}
